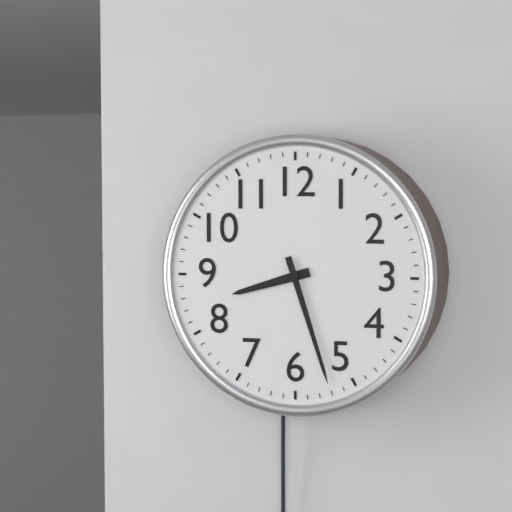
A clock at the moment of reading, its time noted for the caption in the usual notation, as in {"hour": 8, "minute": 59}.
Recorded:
{"hour": 8, "minute": 27}
